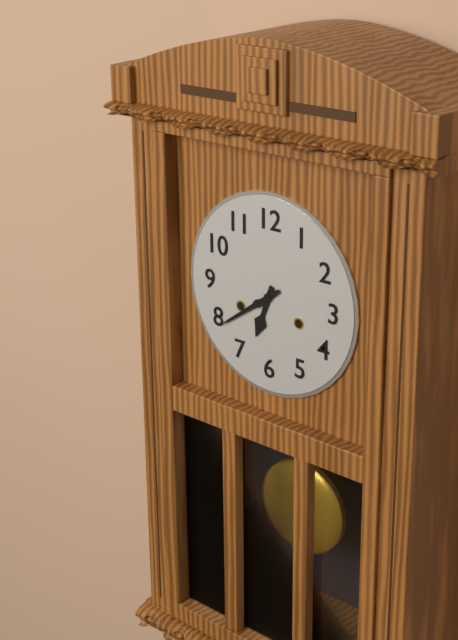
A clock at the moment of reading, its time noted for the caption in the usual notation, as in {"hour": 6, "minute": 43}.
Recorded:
{"hour": 6, "minute": 39}
